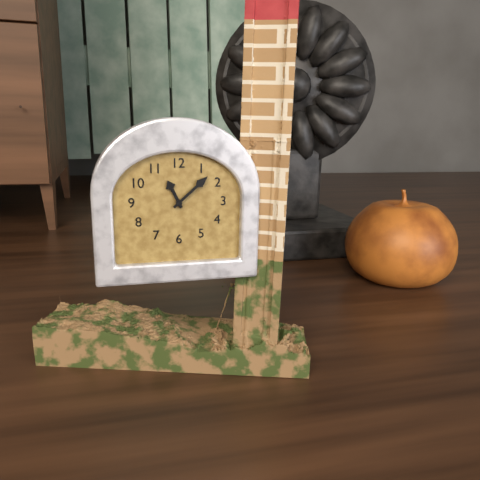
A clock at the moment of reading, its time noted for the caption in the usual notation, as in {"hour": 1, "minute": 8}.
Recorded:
{"hour": 11, "minute": 8}
